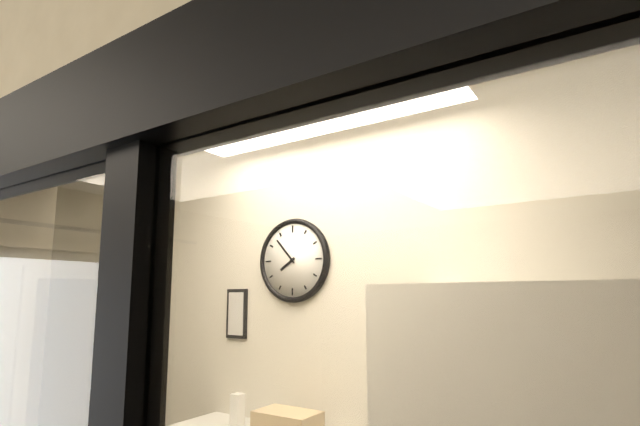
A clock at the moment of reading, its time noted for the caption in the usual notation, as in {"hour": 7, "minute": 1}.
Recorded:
{"hour": 7, "minute": 53}
